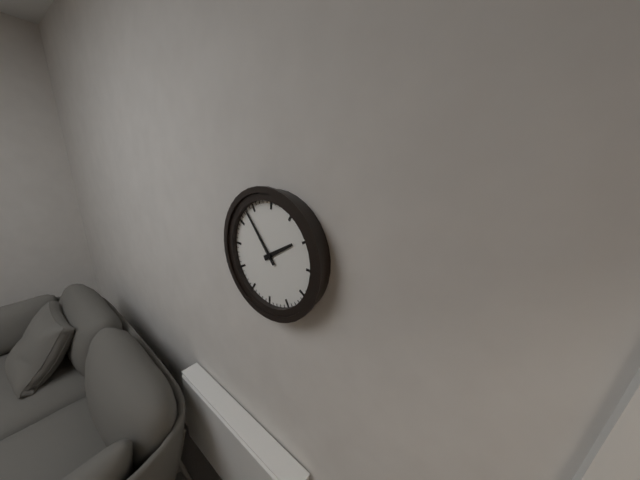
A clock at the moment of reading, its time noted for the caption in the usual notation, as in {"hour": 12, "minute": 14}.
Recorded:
{"hour": 1, "minute": 53}
